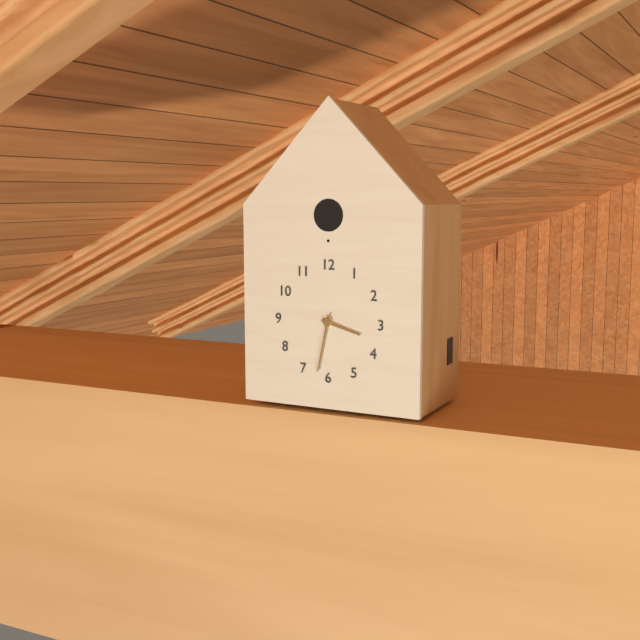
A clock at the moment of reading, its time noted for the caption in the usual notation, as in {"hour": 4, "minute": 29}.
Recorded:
{"hour": 3, "minute": 32}
